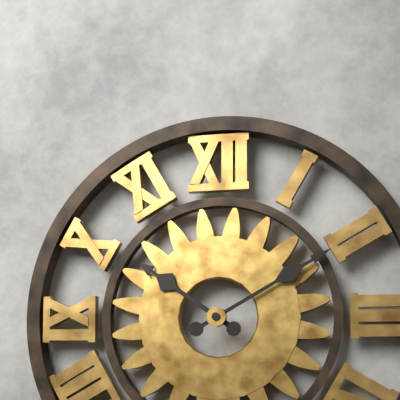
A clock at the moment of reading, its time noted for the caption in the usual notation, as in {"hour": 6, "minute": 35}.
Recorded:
{"hour": 10, "minute": 10}
